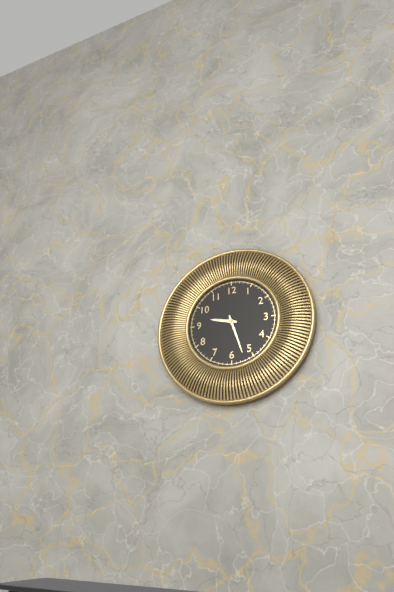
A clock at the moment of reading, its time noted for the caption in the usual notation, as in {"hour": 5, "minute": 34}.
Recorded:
{"hour": 9, "minute": 27}
